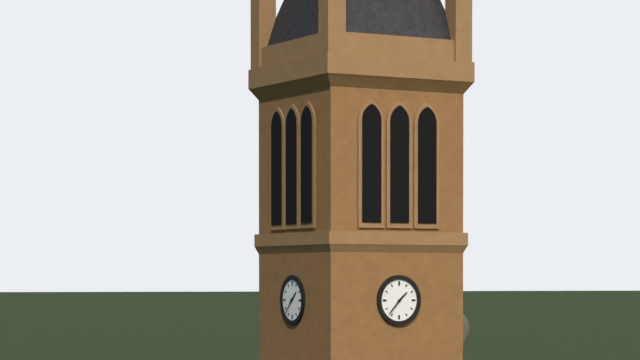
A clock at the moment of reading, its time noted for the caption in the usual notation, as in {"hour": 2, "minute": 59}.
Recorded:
{"hour": 1, "minute": 37}
